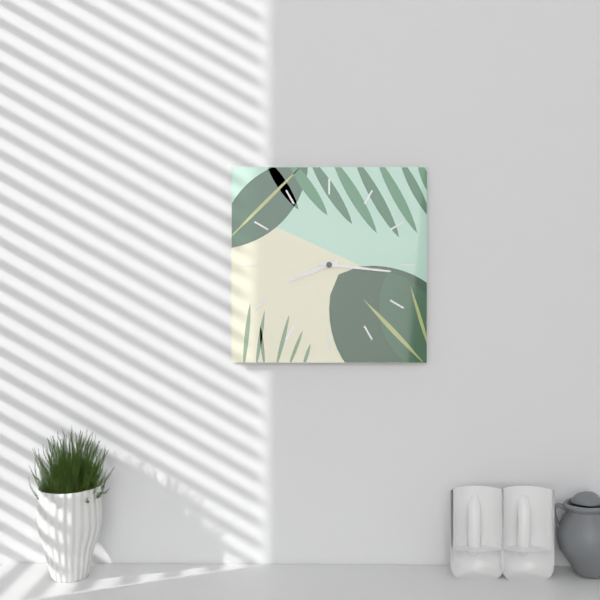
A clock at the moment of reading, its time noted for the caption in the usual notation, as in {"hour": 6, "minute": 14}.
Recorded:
{"hour": 8, "minute": 16}
